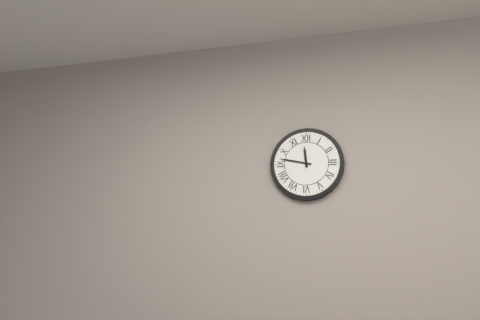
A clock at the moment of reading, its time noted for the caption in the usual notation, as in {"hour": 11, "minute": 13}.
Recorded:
{"hour": 11, "minute": 47}
